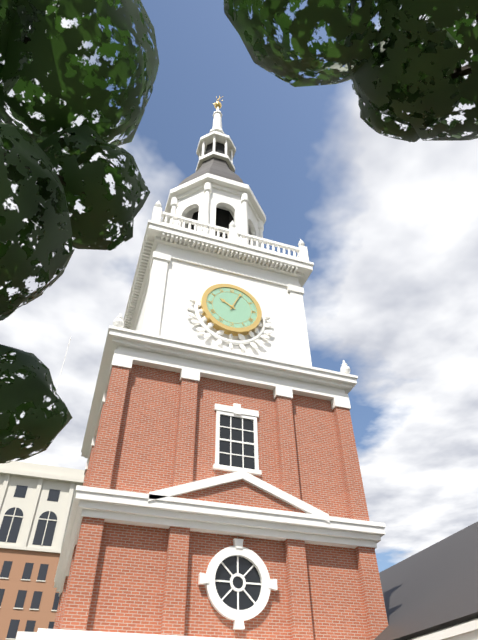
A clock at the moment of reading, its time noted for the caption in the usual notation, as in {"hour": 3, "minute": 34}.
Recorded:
{"hour": 10, "minute": 4}
